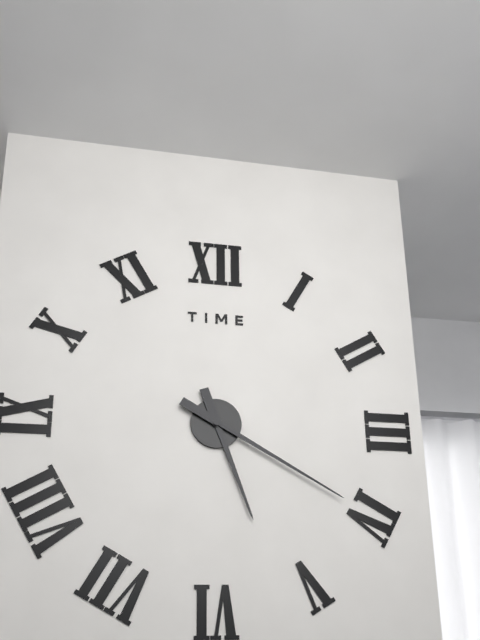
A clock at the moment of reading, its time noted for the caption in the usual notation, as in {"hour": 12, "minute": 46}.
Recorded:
{"hour": 5, "minute": 20}
